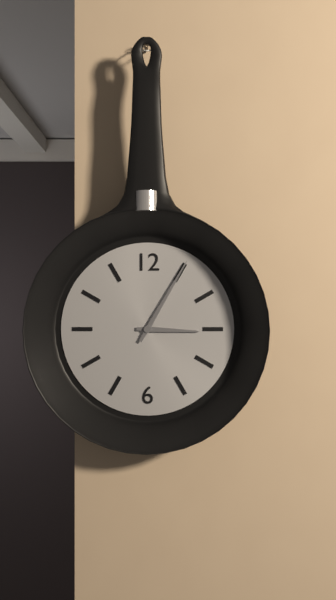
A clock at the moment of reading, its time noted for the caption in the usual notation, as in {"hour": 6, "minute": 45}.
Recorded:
{"hour": 3, "minute": 5}
